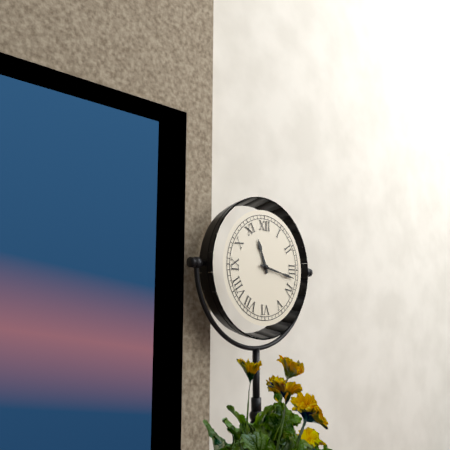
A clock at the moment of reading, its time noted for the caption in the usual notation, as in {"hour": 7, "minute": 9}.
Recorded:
{"hour": 11, "minute": 17}
